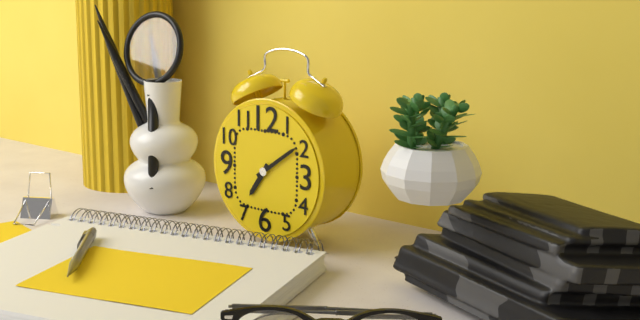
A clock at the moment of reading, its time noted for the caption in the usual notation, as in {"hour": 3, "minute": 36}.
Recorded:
{"hour": 7, "minute": 9}
